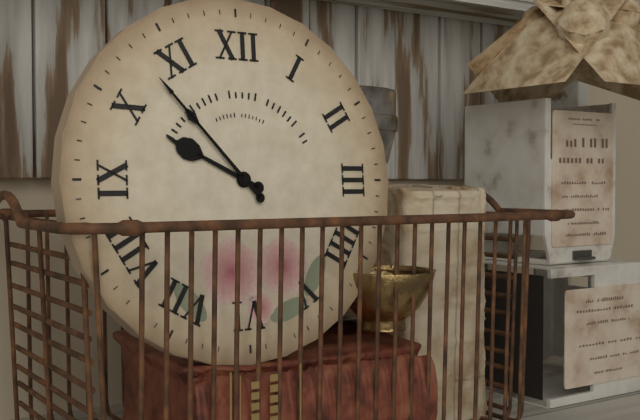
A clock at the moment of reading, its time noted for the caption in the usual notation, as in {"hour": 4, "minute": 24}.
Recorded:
{"hour": 9, "minute": 53}
